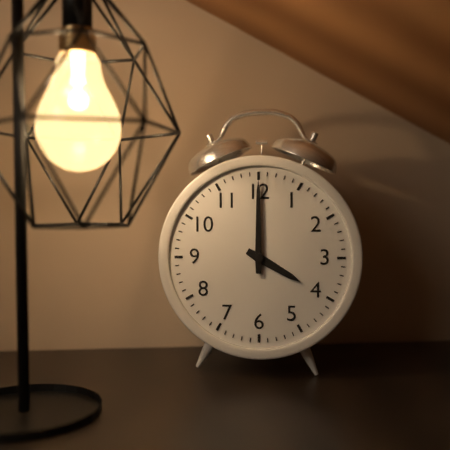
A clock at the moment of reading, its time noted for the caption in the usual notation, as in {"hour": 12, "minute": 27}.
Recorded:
{"hour": 4, "minute": 0}
